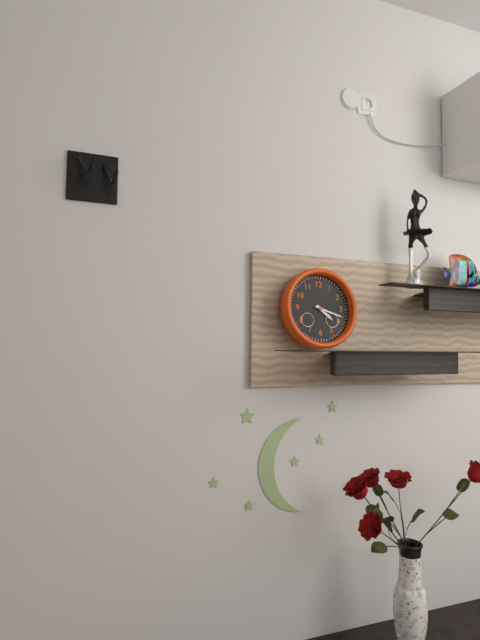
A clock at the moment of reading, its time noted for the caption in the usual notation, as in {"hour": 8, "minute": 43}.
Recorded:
{"hour": 4, "minute": 18}
